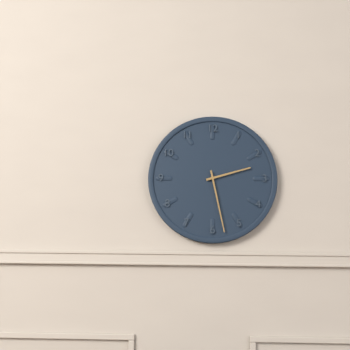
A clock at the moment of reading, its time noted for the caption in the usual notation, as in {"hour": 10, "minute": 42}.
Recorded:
{"hour": 2, "minute": 28}
